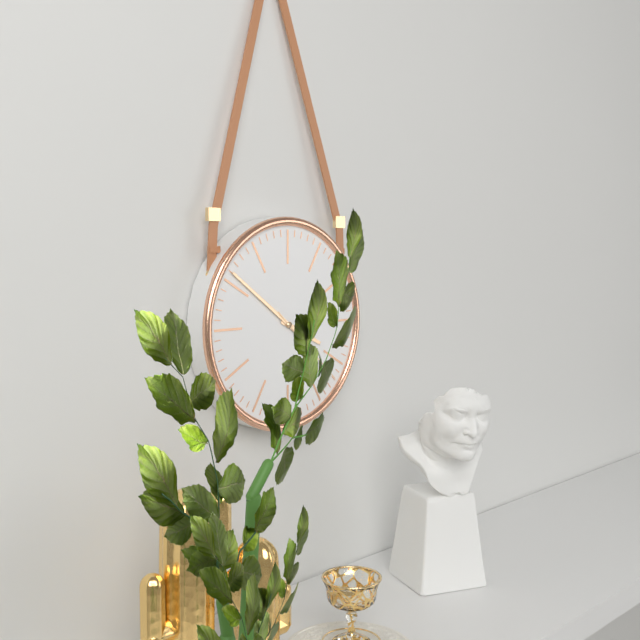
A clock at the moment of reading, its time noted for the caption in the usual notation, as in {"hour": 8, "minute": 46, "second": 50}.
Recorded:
{"hour": 3, "minute": 51, "second": 22}
